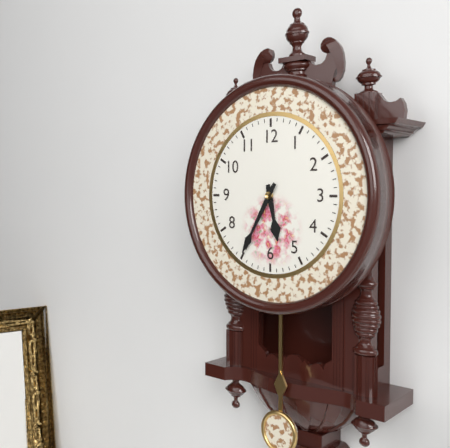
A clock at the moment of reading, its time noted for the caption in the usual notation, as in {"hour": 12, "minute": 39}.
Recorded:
{"hour": 5, "minute": 35}
